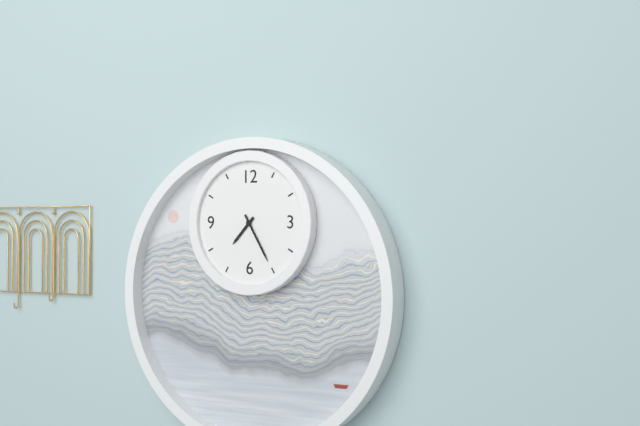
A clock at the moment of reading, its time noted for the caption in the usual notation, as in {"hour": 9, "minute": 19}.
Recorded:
{"hour": 7, "minute": 25}
